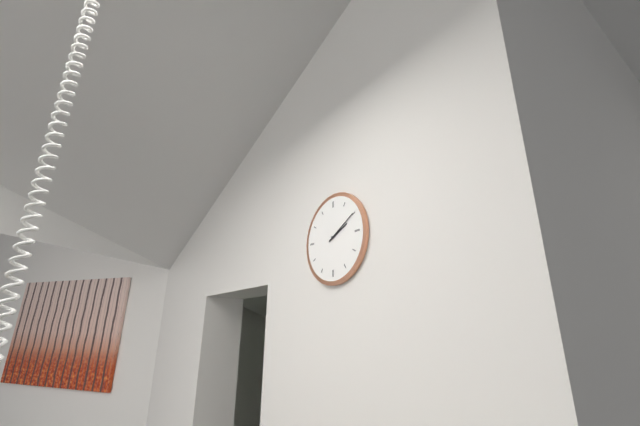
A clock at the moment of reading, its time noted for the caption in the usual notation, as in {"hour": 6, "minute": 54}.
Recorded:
{"hour": 2, "minute": 10}
